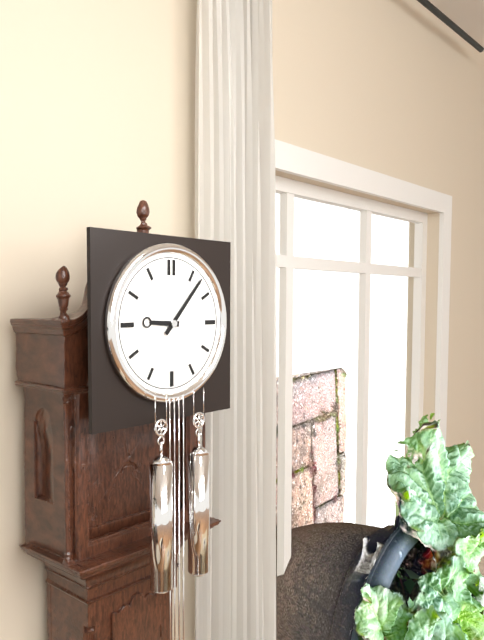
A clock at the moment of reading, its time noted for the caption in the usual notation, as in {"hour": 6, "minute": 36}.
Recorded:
{"hour": 9, "minute": 7}
